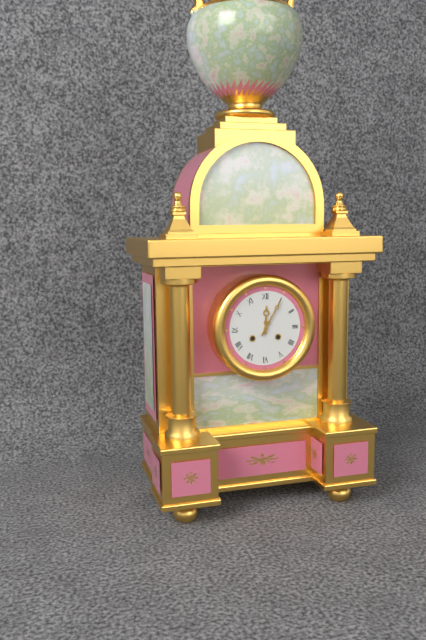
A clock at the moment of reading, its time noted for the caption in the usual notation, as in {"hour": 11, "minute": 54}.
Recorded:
{"hour": 12, "minute": 5}
